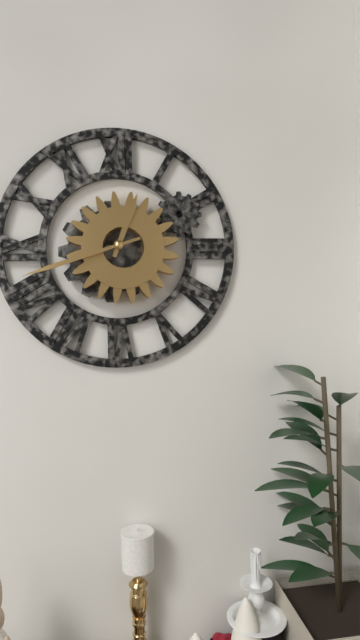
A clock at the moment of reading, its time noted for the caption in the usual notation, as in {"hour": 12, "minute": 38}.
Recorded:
{"hour": 12, "minute": 42}
